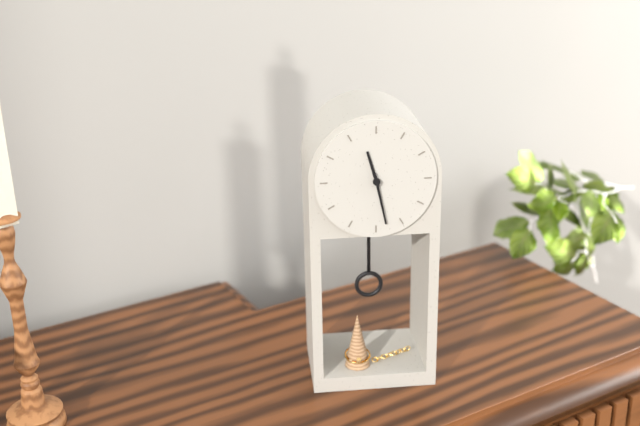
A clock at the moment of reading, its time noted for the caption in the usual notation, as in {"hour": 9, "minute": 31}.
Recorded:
{"hour": 11, "minute": 28}
